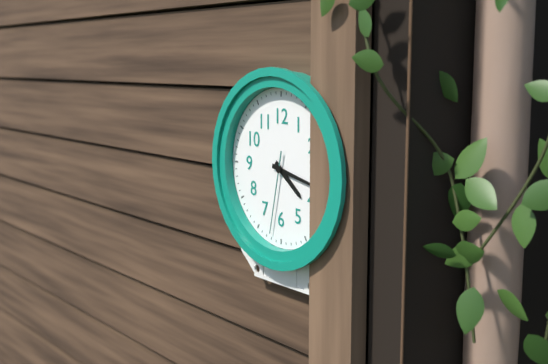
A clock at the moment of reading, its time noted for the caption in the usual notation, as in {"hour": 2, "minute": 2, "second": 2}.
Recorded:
{"hour": 4, "minute": 17, "second": 32}
